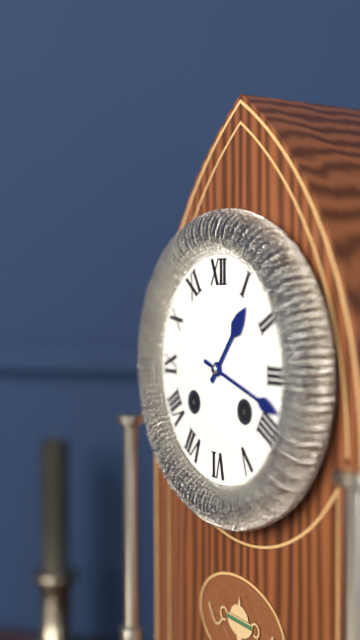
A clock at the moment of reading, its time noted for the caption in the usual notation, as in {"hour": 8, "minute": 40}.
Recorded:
{"hour": 1, "minute": 18}
